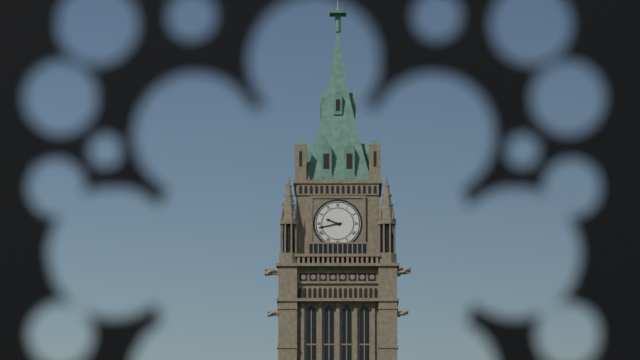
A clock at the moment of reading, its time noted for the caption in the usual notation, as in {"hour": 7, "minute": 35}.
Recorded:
{"hour": 9, "minute": 43}
